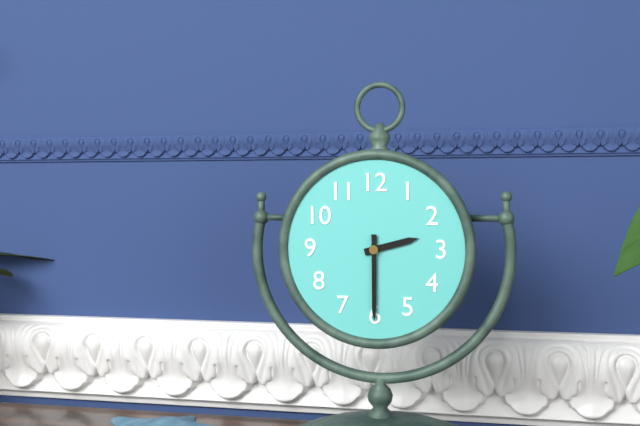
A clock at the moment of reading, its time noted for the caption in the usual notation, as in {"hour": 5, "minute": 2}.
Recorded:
{"hour": 2, "minute": 30}
